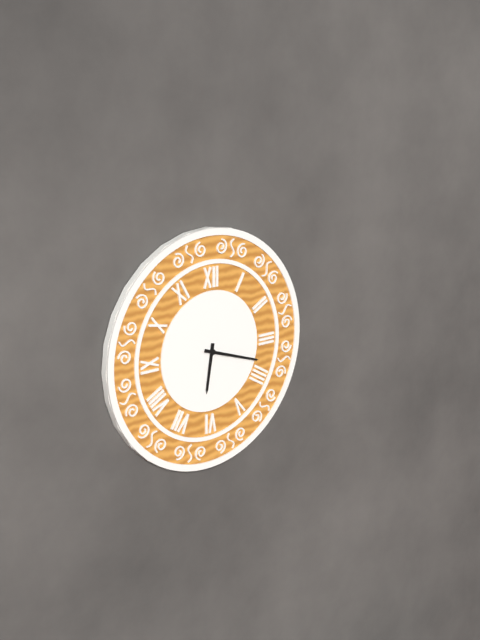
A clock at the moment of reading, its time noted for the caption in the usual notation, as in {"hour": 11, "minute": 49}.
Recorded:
{"hour": 6, "minute": 18}
